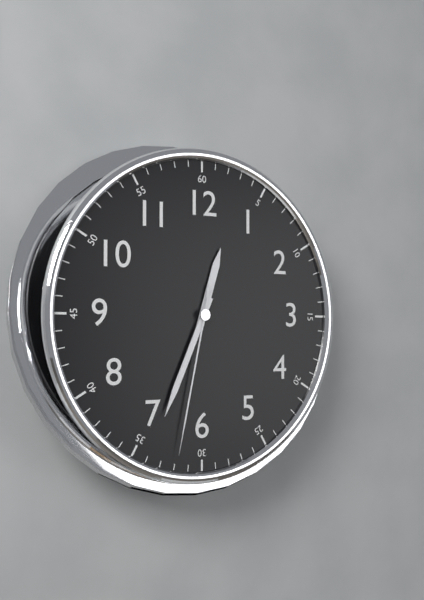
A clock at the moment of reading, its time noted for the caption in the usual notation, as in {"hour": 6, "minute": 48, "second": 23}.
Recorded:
{"hour": 12, "minute": 34, "second": 32}
